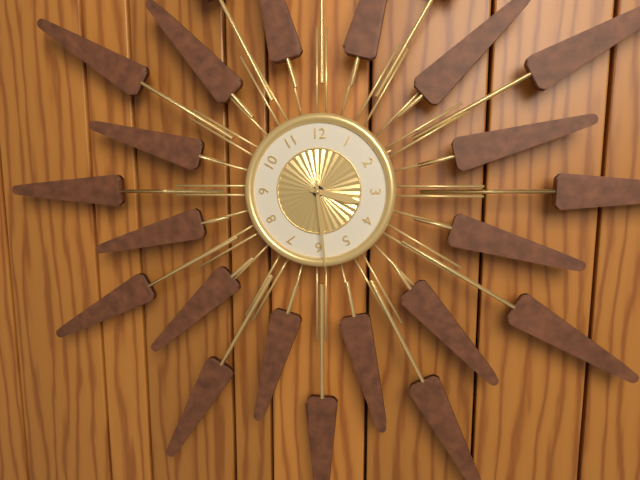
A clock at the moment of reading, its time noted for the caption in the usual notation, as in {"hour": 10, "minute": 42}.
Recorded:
{"hour": 3, "minute": 29}
